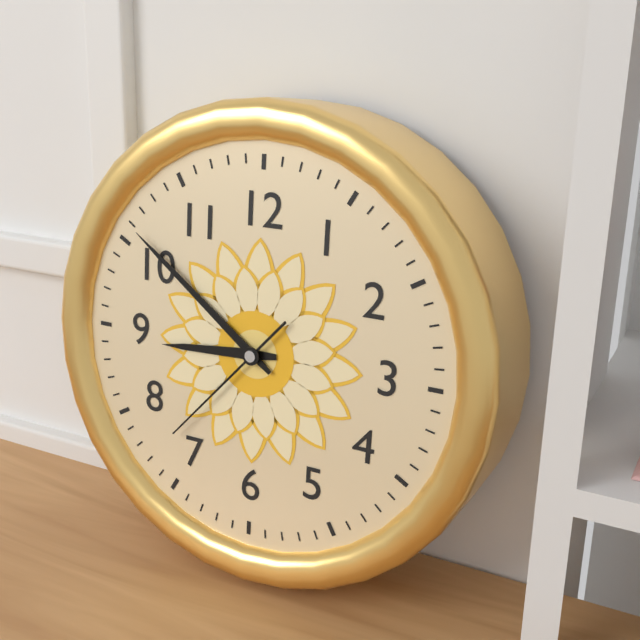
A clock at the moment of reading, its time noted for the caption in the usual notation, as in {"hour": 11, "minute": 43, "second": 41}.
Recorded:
{"hour": 8, "minute": 51, "second": 37}
